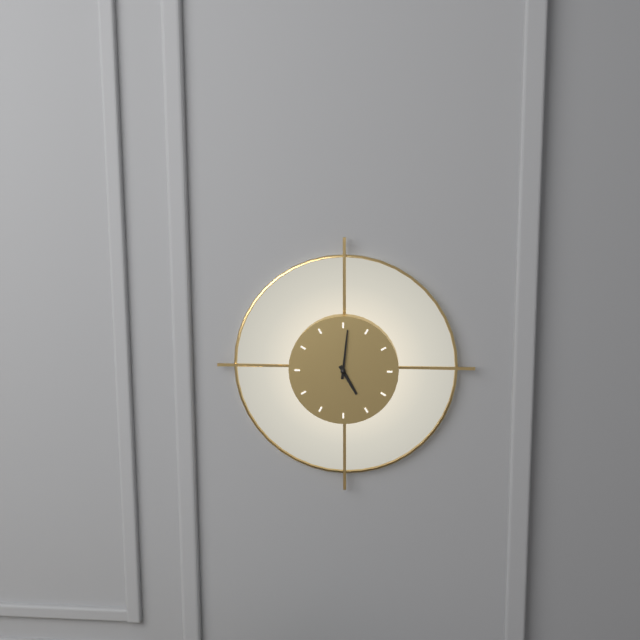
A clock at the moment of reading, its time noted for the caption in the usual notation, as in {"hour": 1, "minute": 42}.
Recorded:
{"hour": 5, "minute": 1}
